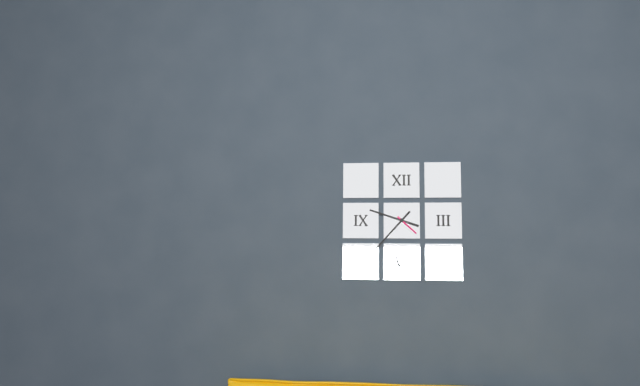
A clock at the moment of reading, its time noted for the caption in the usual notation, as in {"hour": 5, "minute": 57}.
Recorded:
{"hour": 9, "minute": 37}
